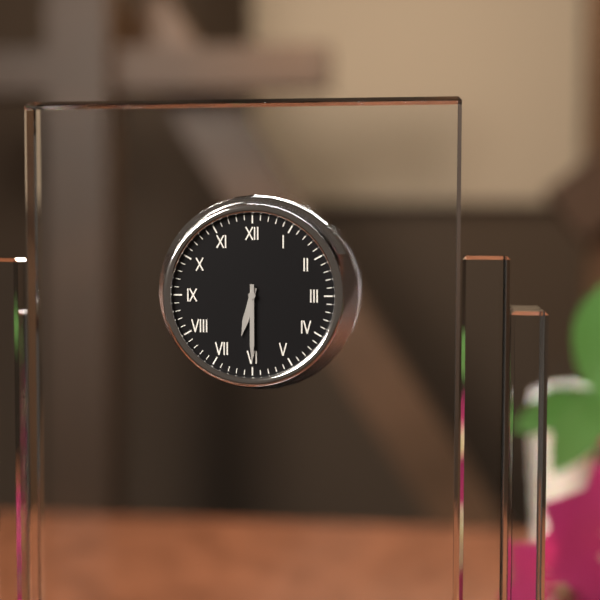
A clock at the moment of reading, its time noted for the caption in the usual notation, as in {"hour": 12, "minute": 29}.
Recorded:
{"hour": 6, "minute": 30}
